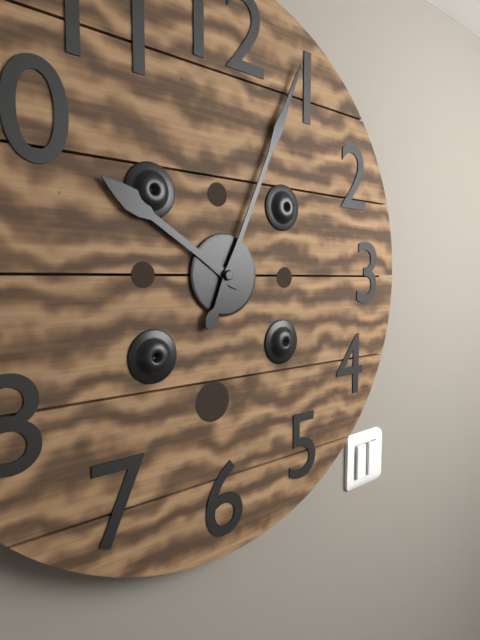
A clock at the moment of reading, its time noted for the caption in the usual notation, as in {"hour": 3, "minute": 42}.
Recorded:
{"hour": 10, "minute": 4}
